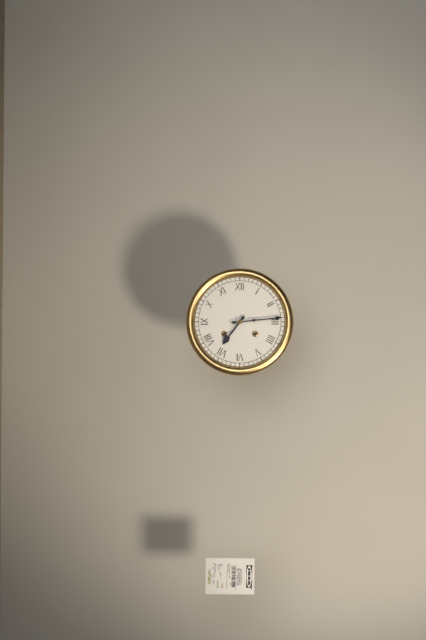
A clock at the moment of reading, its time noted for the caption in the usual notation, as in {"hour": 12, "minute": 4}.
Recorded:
{"hour": 7, "minute": 14}
